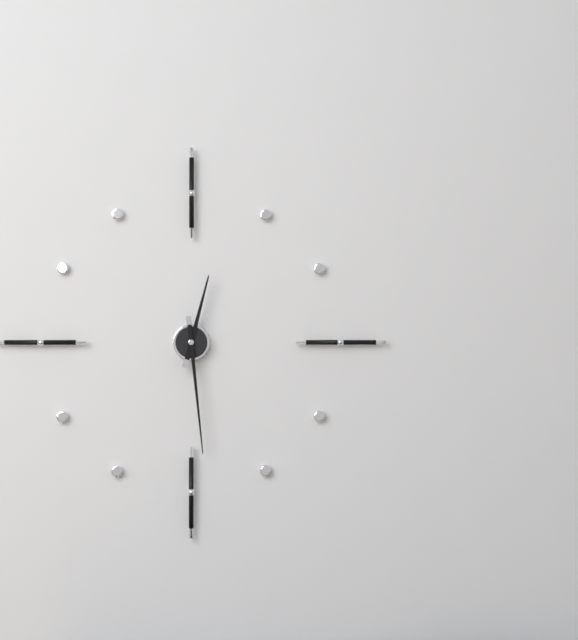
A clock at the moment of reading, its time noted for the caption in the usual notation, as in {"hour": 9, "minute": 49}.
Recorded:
{"hour": 12, "minute": 29}
